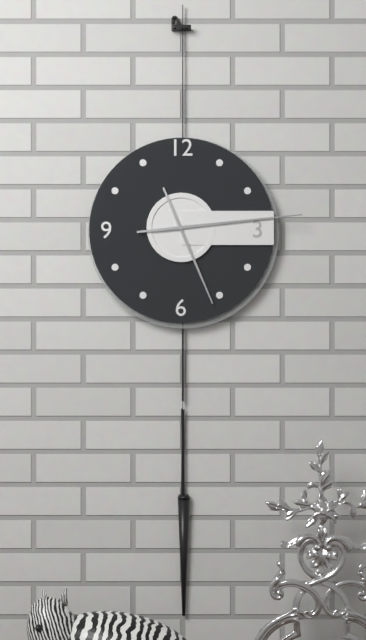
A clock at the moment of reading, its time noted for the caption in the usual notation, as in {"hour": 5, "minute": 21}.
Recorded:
{"hour": 5, "minute": 14}
